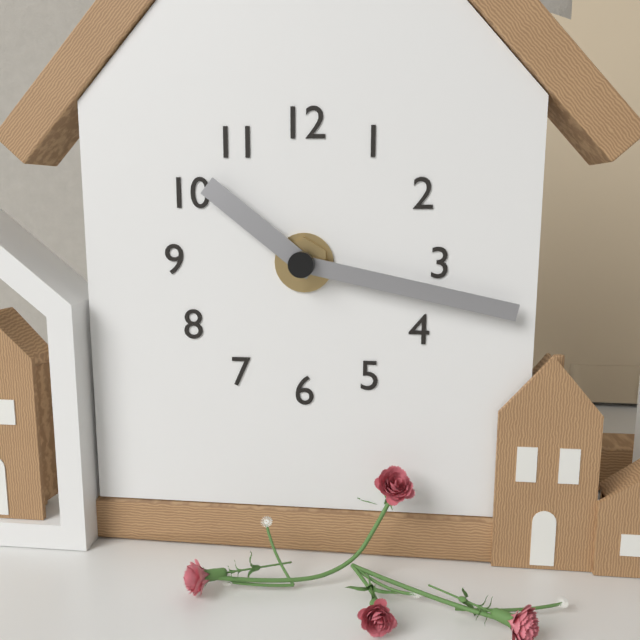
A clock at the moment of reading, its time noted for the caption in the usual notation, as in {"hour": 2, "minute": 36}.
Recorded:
{"hour": 10, "minute": 17}
